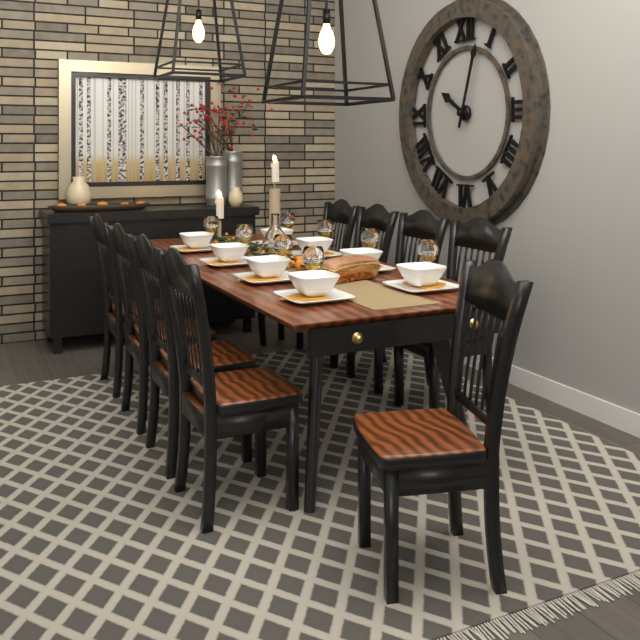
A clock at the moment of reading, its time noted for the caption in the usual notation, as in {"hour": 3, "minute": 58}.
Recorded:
{"hour": 10, "minute": 3}
